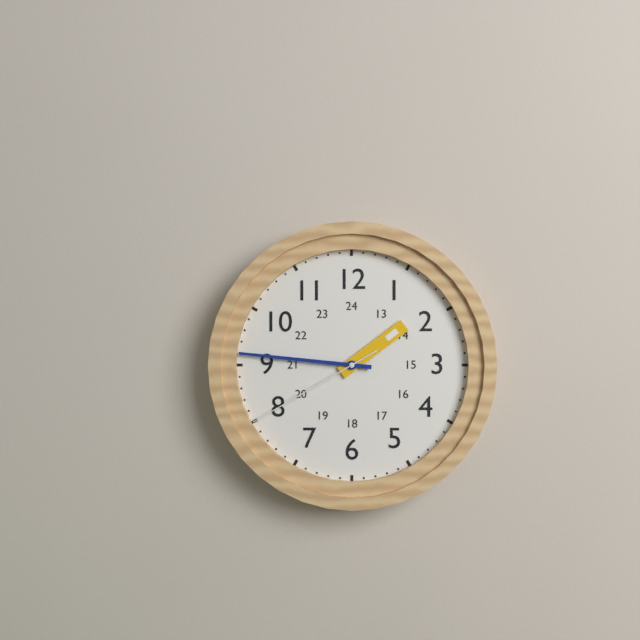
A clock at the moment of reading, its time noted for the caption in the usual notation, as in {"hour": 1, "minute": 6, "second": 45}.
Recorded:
{"hour": 1, "minute": 46, "second": 40}
